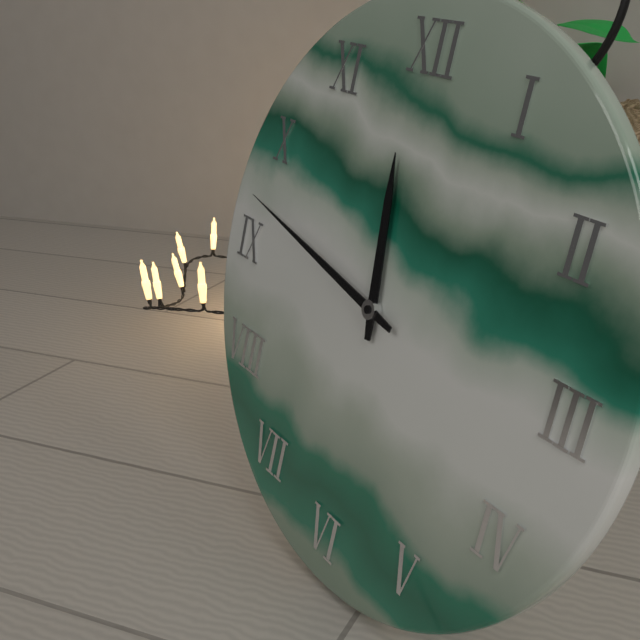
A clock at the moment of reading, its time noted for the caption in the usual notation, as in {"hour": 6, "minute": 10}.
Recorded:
{"hour": 11, "minute": 47}
